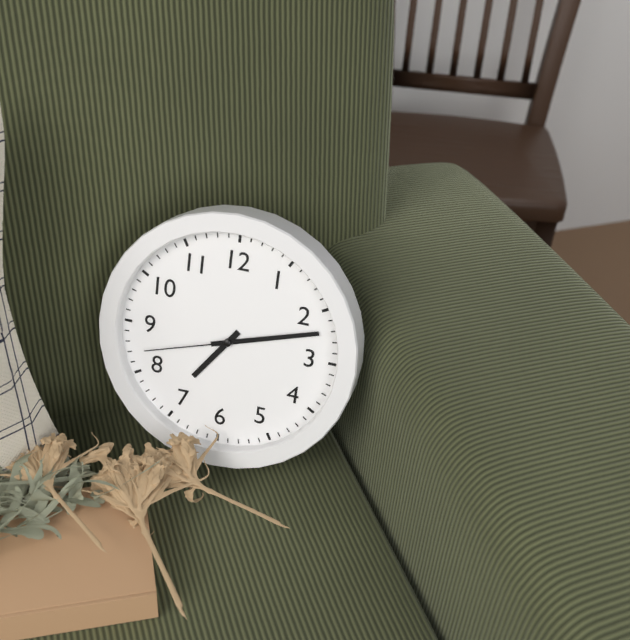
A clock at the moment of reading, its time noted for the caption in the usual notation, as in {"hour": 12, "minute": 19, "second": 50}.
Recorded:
{"hour": 7, "minute": 12, "second": 42}
